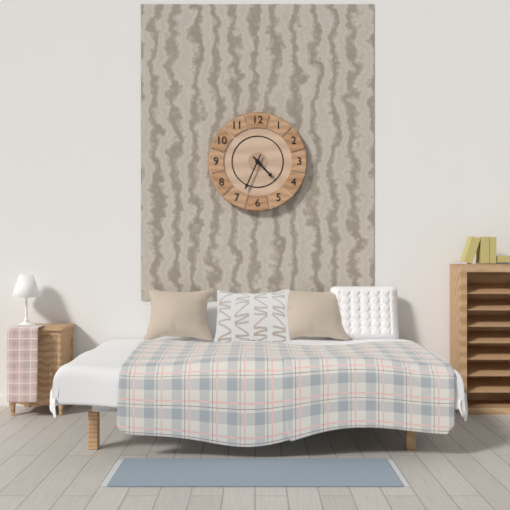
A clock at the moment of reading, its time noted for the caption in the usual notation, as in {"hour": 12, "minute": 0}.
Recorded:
{"hour": 4, "minute": 34}
